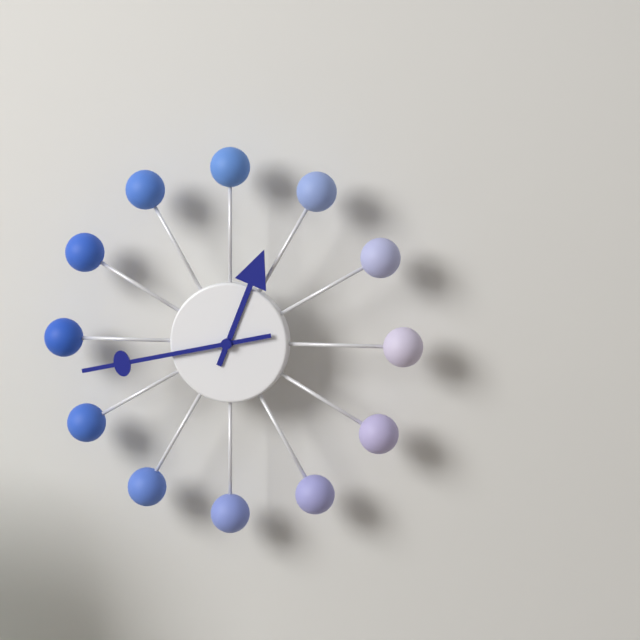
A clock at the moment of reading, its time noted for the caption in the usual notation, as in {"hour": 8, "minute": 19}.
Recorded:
{"hour": 12, "minute": 43}
